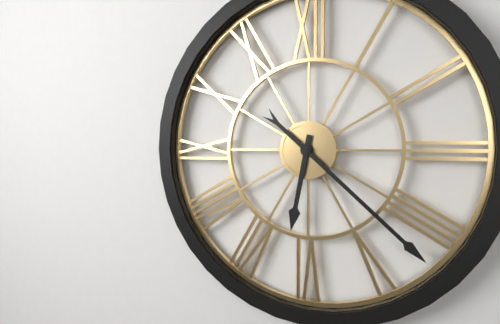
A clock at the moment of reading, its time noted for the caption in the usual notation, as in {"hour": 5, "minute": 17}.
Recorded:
{"hour": 6, "minute": 22}
